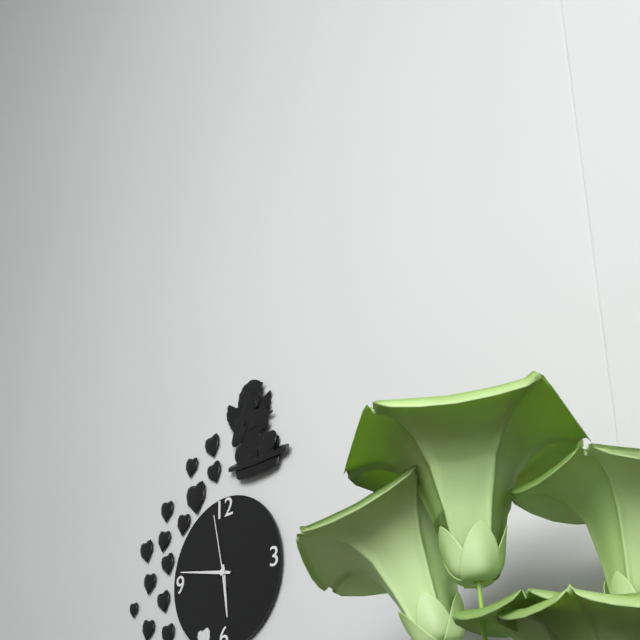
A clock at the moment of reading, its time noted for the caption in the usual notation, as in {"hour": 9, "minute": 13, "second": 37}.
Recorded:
{"hour": 5, "minute": 47, "second": 58}
